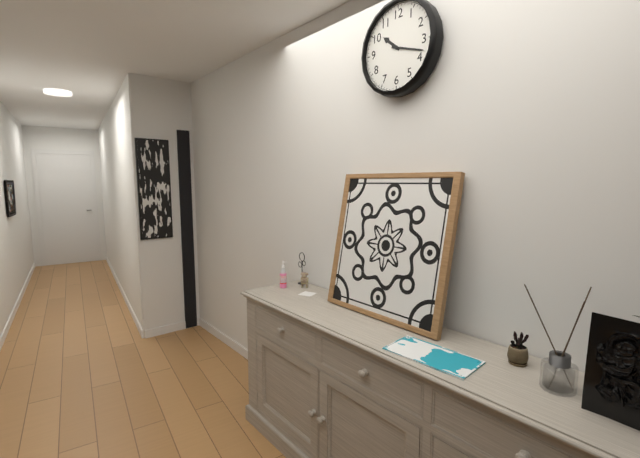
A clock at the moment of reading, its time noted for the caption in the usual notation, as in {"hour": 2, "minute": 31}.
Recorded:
{"hour": 10, "minute": 18}
